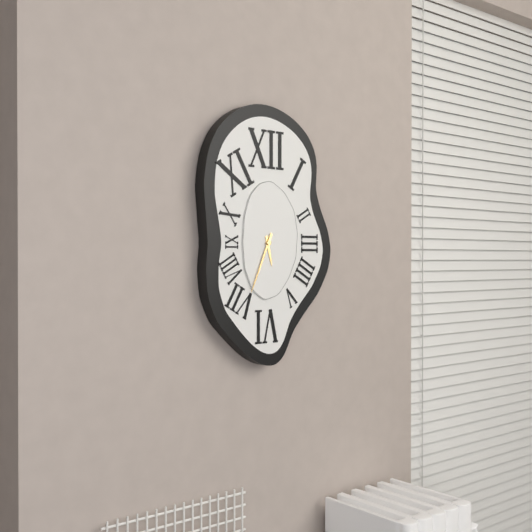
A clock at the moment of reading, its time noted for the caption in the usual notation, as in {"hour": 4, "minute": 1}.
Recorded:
{"hour": 5, "minute": 34}
